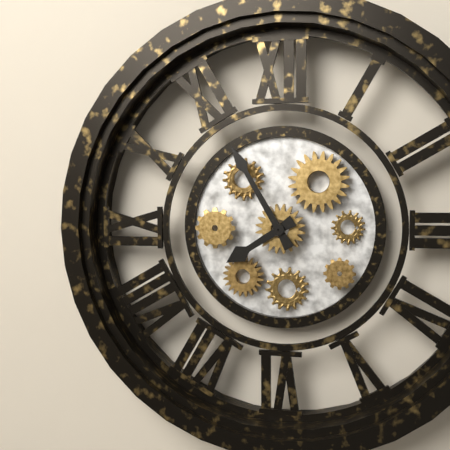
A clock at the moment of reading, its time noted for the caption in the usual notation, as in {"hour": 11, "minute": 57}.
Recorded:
{"hour": 7, "minute": 55}
